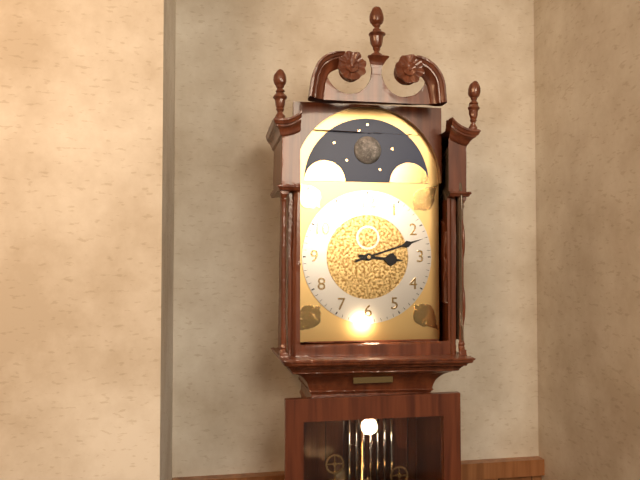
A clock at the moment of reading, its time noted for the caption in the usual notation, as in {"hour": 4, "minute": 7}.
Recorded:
{"hour": 3, "minute": 12}
